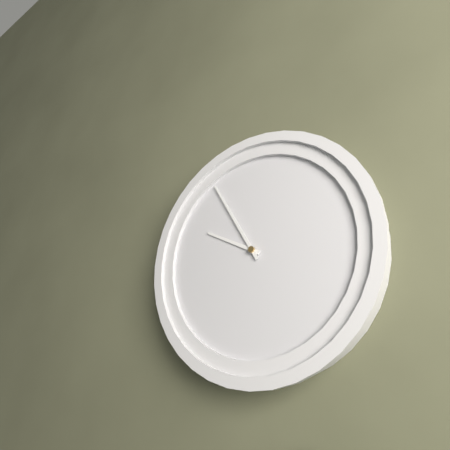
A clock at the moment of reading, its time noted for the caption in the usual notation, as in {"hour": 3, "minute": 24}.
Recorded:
{"hour": 9, "minute": 55}
